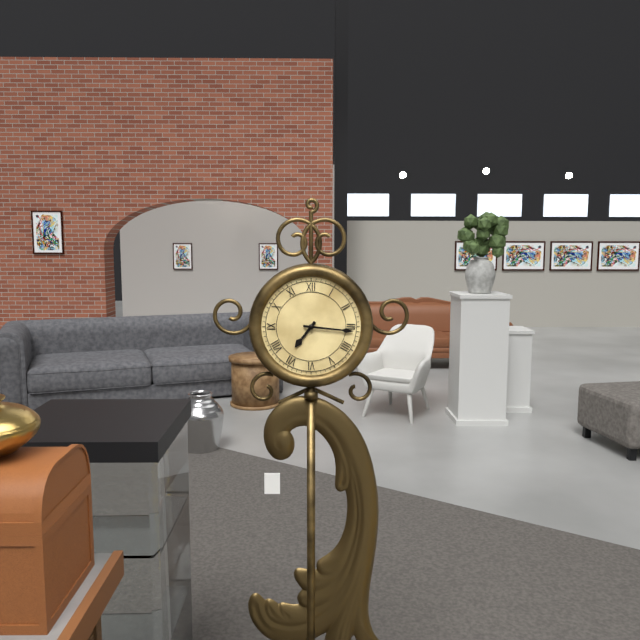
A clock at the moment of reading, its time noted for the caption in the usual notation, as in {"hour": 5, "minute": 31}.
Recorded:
{"hour": 7, "minute": 16}
